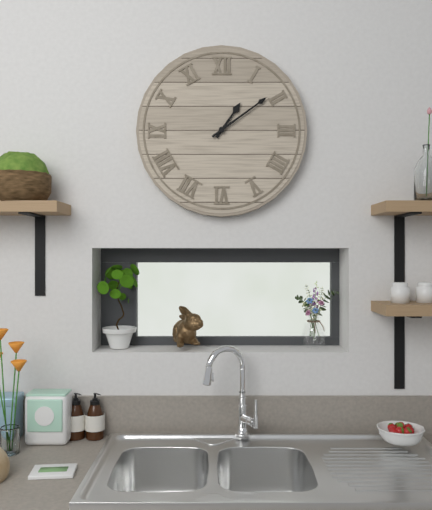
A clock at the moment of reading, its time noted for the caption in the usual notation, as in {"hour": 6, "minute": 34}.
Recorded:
{"hour": 1, "minute": 9}
